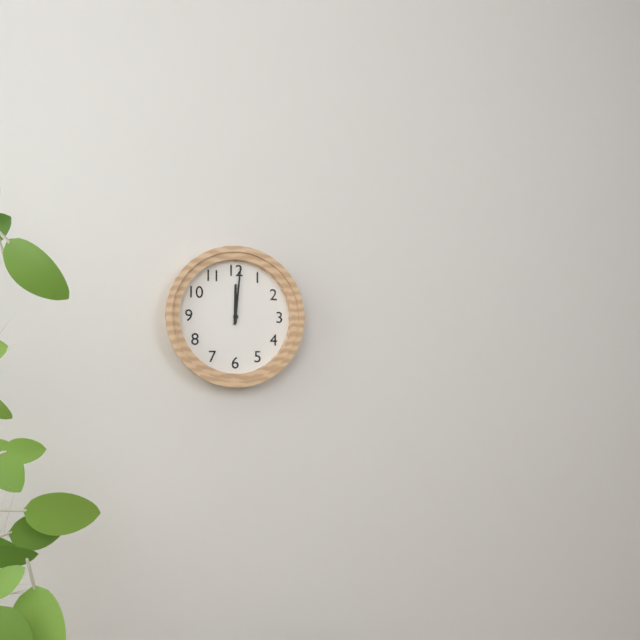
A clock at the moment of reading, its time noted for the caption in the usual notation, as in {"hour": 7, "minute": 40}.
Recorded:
{"hour": 12, "minute": 1}
